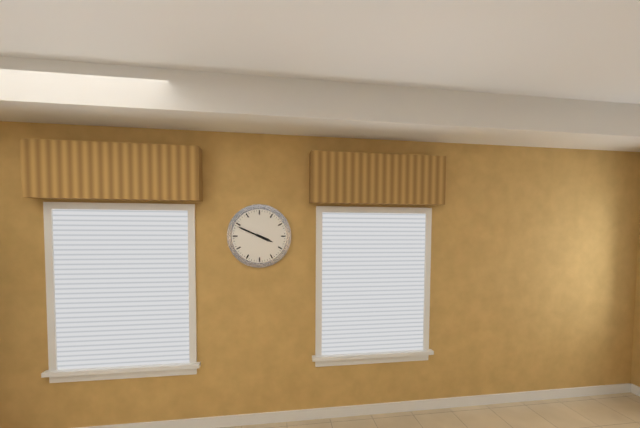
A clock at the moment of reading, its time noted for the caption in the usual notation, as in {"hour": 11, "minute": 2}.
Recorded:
{"hour": 3, "minute": 49}
